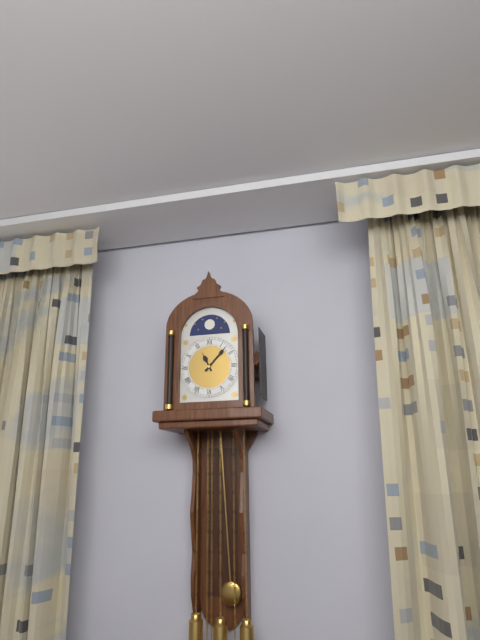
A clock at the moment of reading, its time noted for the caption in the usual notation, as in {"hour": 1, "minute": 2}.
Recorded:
{"hour": 11, "minute": 7}
